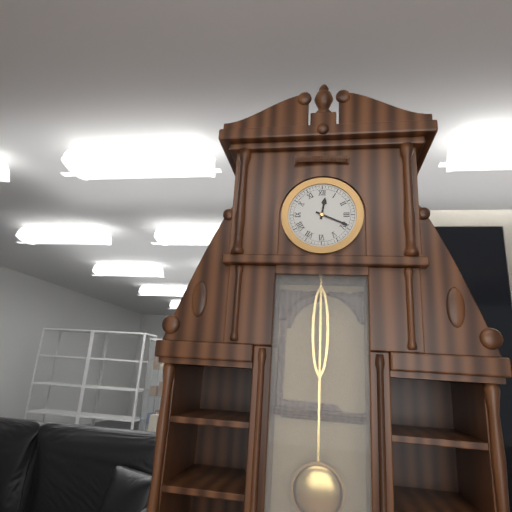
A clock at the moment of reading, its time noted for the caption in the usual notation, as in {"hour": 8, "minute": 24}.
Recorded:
{"hour": 12, "minute": 19}
